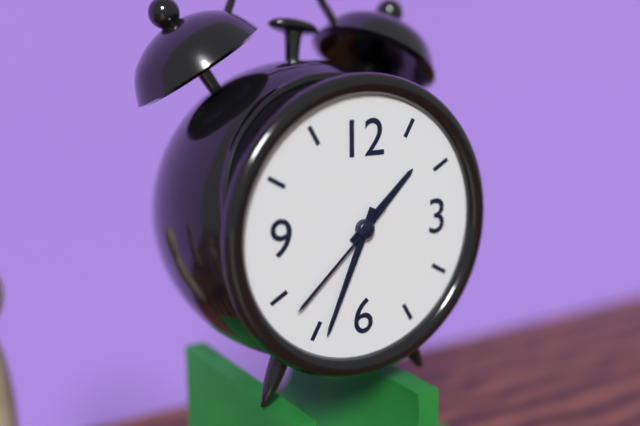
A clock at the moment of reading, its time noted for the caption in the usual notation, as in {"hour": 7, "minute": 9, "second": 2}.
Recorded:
{"hour": 1, "minute": 34, "second": 38}
